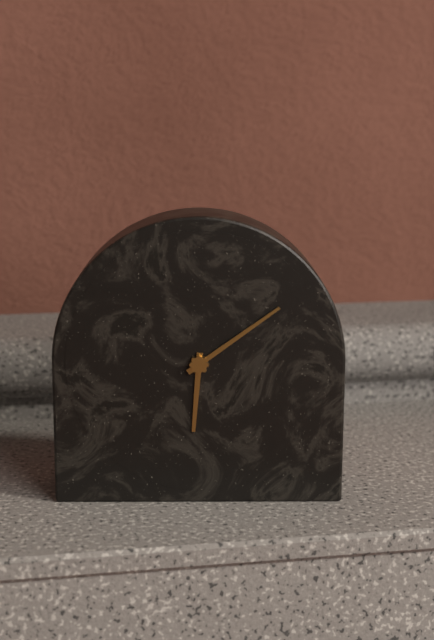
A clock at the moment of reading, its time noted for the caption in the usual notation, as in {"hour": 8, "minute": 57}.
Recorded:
{"hour": 6, "minute": 9}
